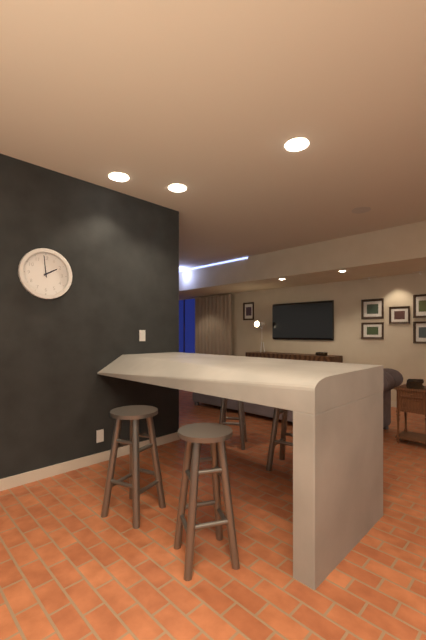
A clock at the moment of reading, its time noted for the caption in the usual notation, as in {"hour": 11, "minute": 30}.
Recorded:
{"hour": 1, "minute": 59}
